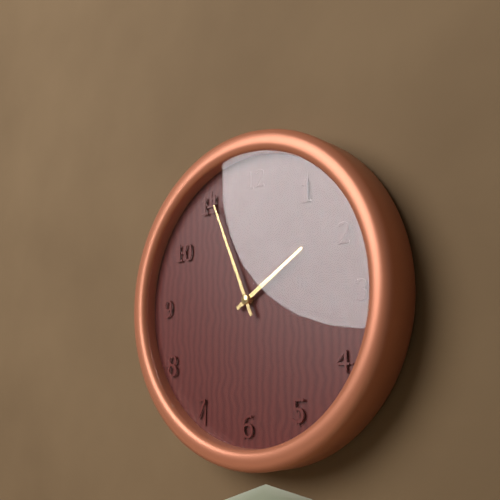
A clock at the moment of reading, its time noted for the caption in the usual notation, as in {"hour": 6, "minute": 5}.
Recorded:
{"hour": 1, "minute": 56}
